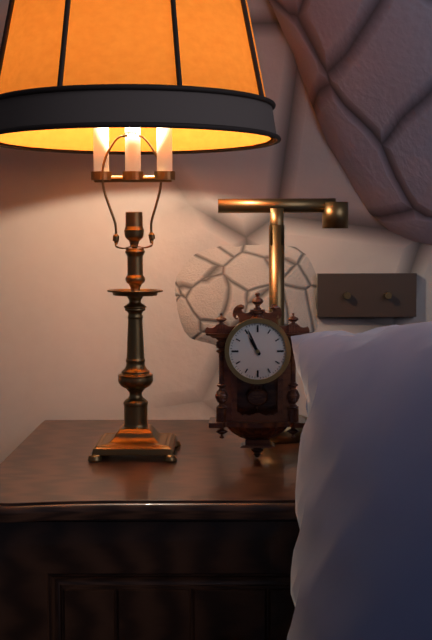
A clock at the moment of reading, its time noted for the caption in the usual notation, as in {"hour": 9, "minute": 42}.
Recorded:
{"hour": 10, "minute": 56}
